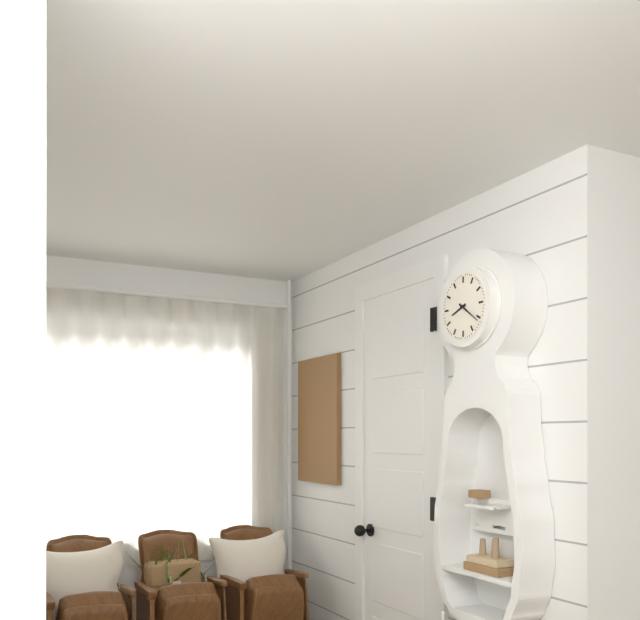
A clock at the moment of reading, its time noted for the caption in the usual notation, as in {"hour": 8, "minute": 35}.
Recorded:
{"hour": 8, "minute": 21}
